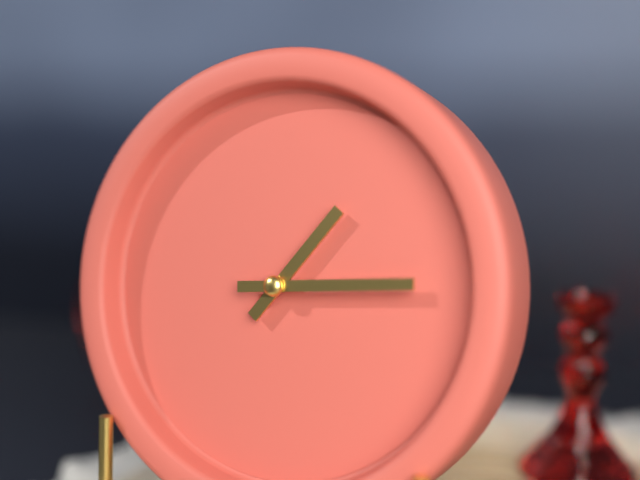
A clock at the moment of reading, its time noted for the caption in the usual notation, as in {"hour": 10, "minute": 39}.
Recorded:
{"hour": 1, "minute": 14}
